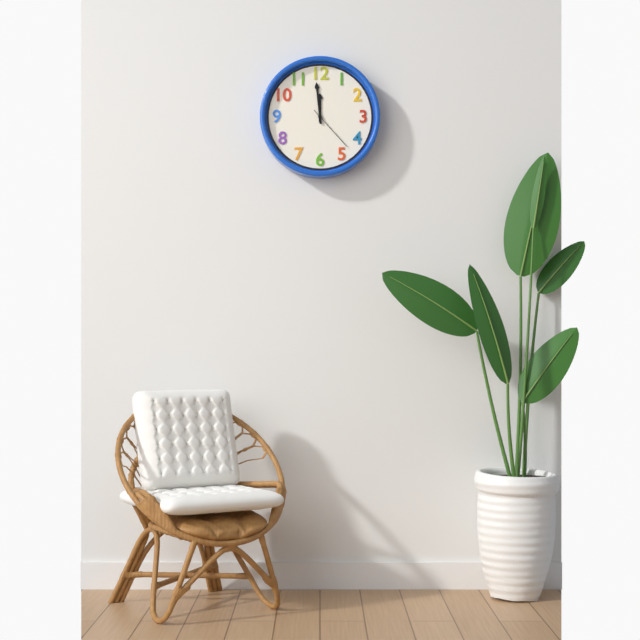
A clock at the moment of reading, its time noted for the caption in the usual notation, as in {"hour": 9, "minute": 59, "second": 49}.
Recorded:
{"hour": 11, "minute": 59, "second": 23}
